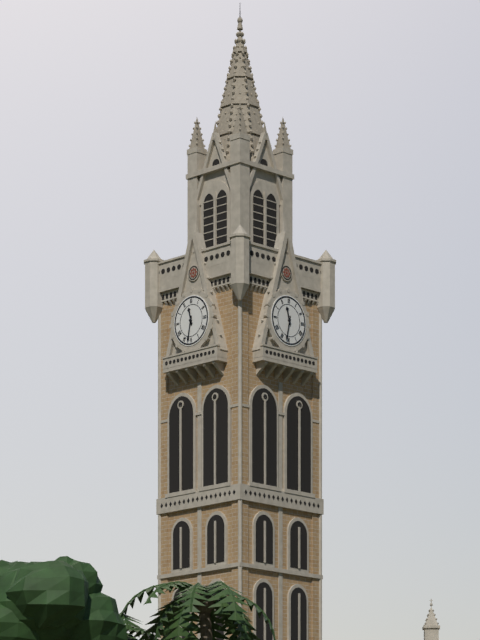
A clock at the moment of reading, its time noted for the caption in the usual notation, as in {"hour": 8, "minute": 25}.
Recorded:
{"hour": 11, "minute": 32}
